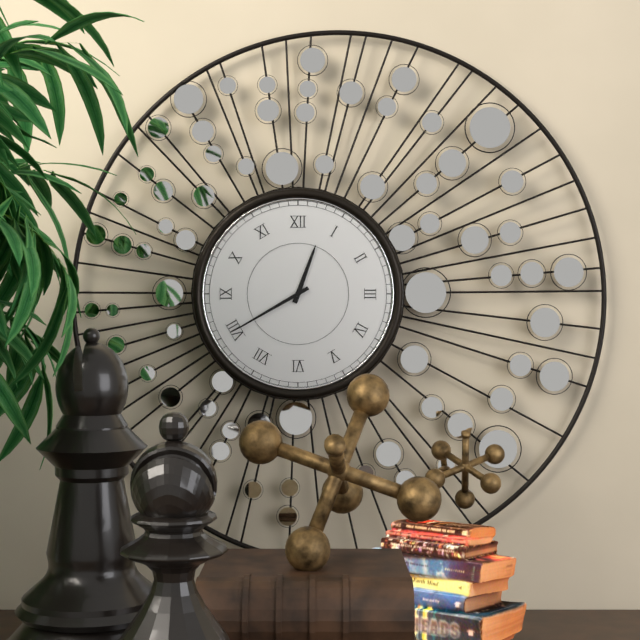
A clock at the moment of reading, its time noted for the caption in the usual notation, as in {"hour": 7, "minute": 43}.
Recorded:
{"hour": 12, "minute": 40}
